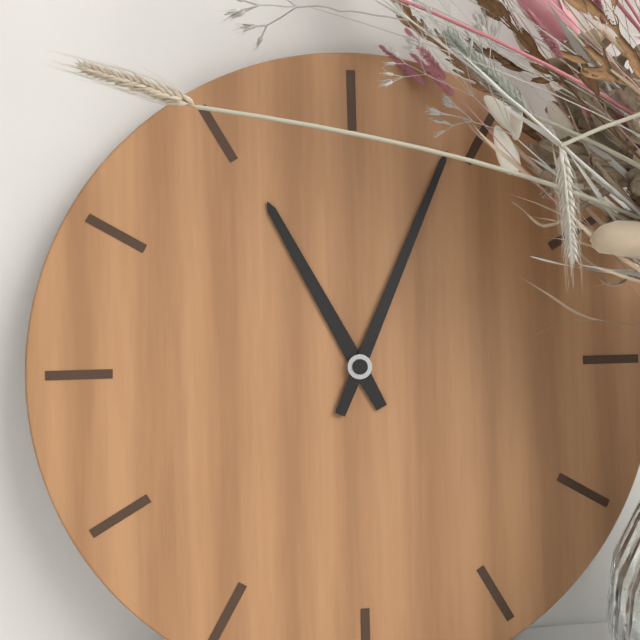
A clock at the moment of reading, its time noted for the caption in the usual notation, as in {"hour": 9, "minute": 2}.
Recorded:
{"hour": 11, "minute": 4}
